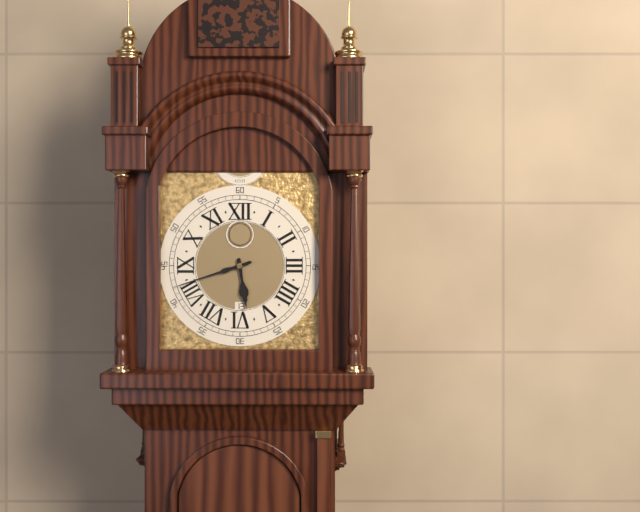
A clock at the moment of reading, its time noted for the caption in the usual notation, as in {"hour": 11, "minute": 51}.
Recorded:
{"hour": 5, "minute": 42}
